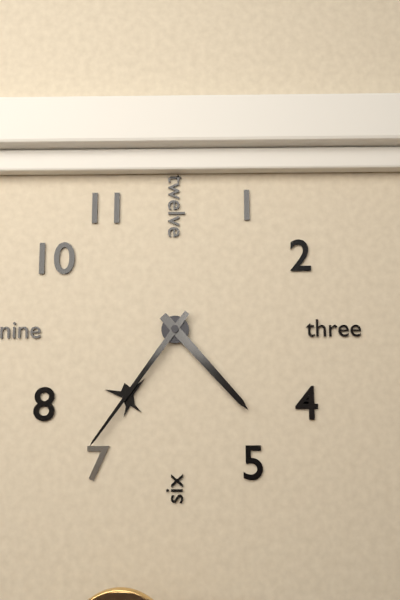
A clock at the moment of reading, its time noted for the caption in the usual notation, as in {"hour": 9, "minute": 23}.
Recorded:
{"hour": 4, "minute": 36}
